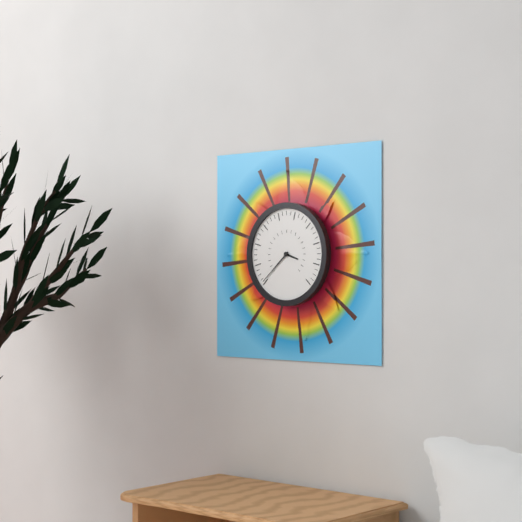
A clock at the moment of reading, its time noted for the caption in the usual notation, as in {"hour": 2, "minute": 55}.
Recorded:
{"hour": 3, "minute": 38}
